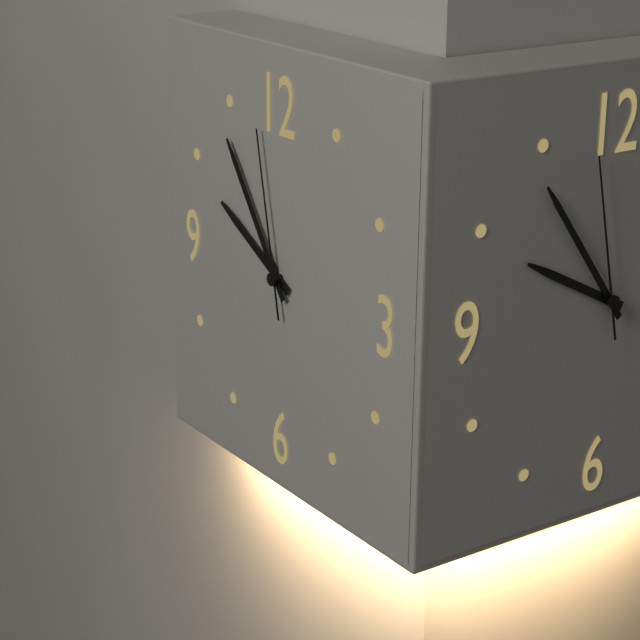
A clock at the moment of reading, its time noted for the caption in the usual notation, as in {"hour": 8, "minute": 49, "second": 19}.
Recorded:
{"hour": 9, "minute": 54, "second": 58}
